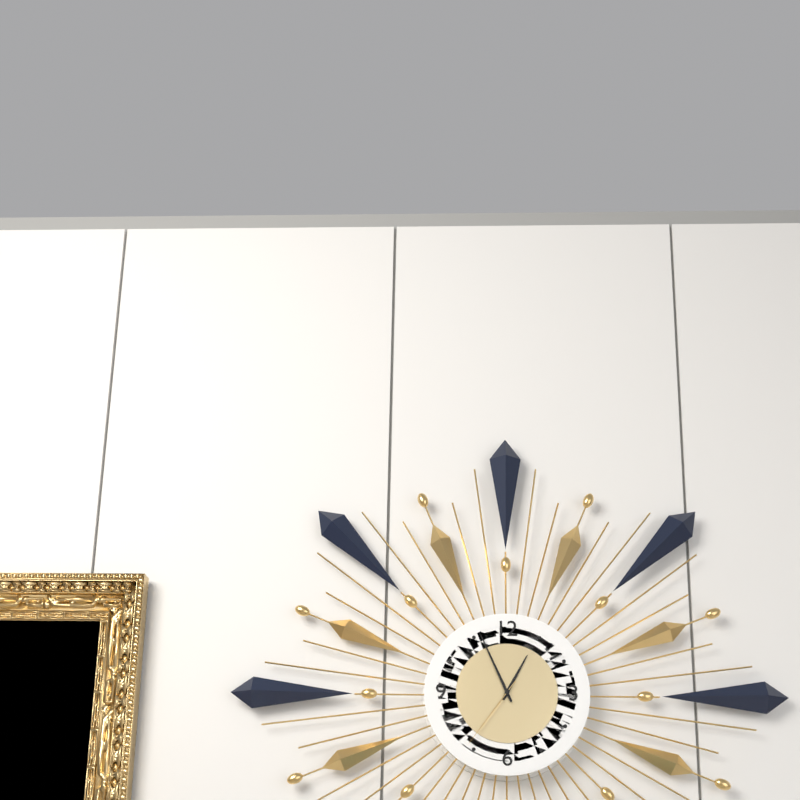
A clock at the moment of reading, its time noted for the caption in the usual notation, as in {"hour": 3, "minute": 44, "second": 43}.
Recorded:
{"hour": 12, "minute": 56, "second": 36}
